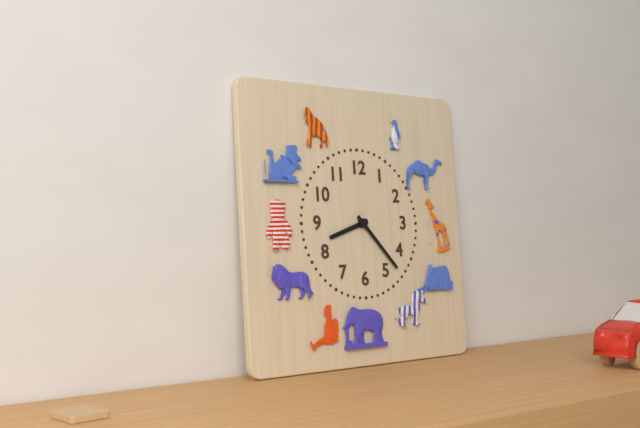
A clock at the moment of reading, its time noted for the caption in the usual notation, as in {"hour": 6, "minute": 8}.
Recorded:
{"hour": 8, "minute": 23}
